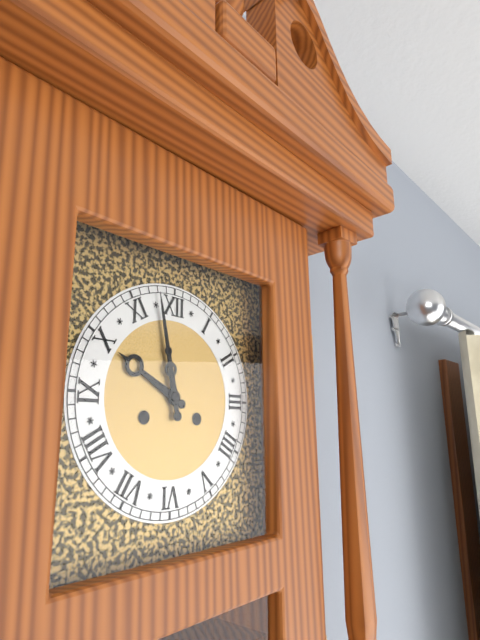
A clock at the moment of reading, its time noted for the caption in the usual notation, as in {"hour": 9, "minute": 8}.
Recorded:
{"hour": 9, "minute": 58}
